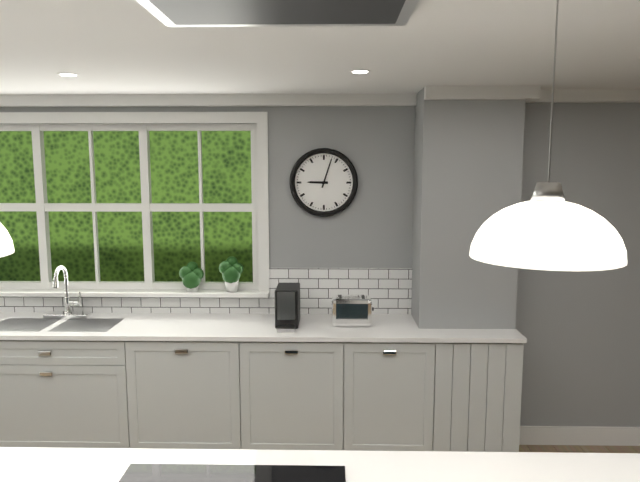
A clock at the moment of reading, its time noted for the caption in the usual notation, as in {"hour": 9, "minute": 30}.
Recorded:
{"hour": 9, "minute": 3}
